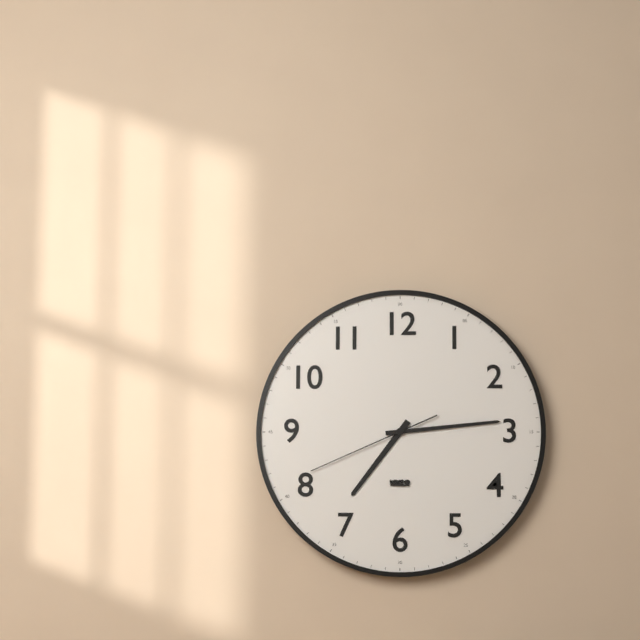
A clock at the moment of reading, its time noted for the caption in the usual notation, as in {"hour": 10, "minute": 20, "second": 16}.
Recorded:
{"hour": 7, "minute": 14, "second": 41}
